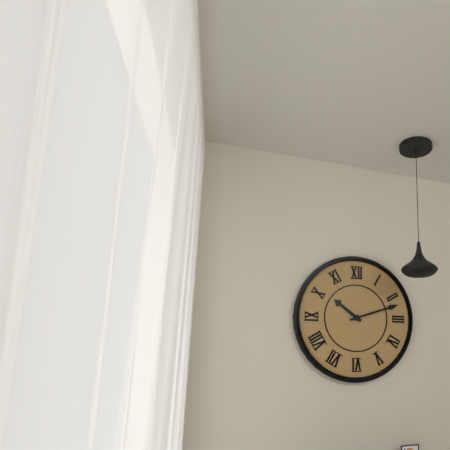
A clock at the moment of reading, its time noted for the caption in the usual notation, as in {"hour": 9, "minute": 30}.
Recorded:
{"hour": 10, "minute": 12}
